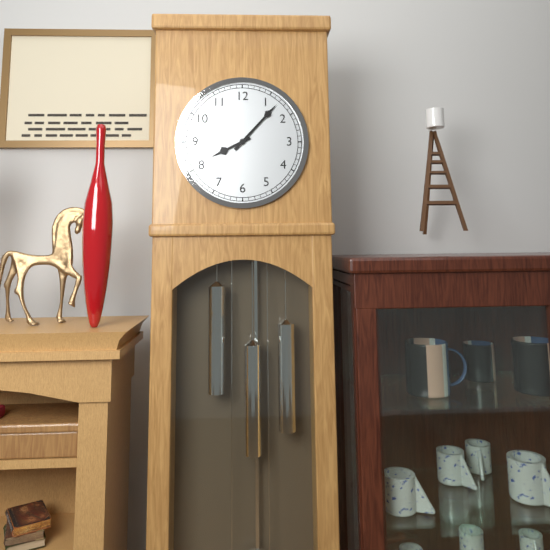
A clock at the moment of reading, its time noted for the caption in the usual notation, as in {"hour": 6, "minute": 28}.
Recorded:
{"hour": 8, "minute": 7}
